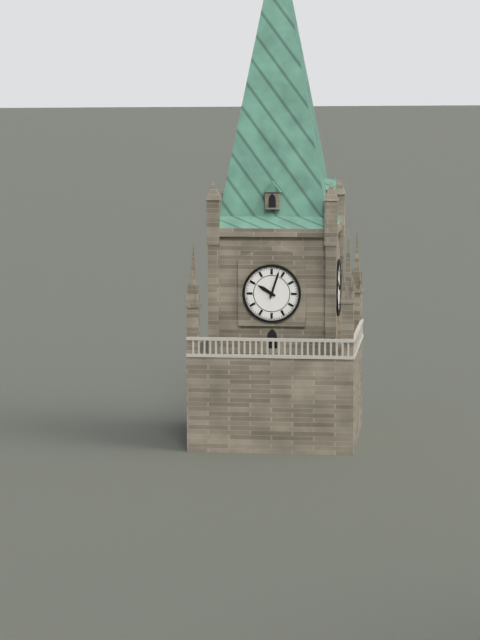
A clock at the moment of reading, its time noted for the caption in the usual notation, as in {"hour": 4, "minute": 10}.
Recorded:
{"hour": 10, "minute": 3}
